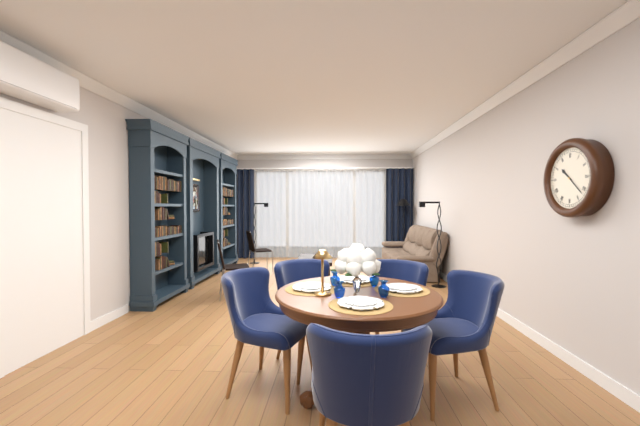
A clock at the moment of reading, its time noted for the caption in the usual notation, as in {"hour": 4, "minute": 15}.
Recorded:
{"hour": 10, "minute": 22}
